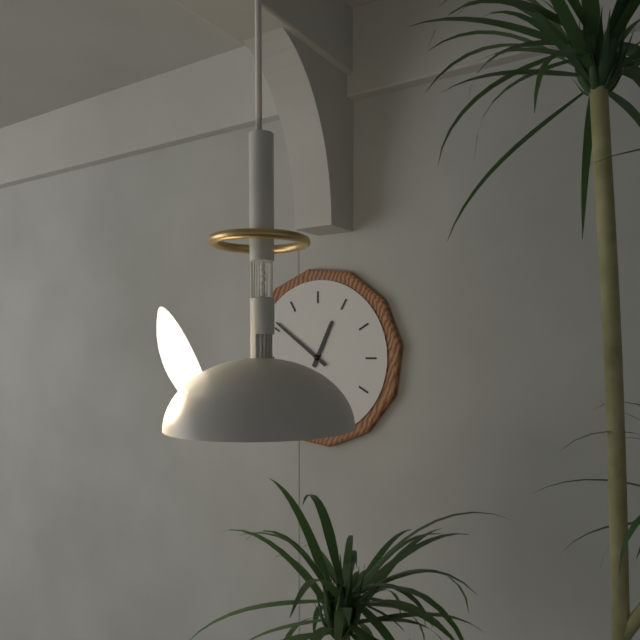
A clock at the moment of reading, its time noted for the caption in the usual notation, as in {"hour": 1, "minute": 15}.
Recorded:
{"hour": 12, "minute": 51}
